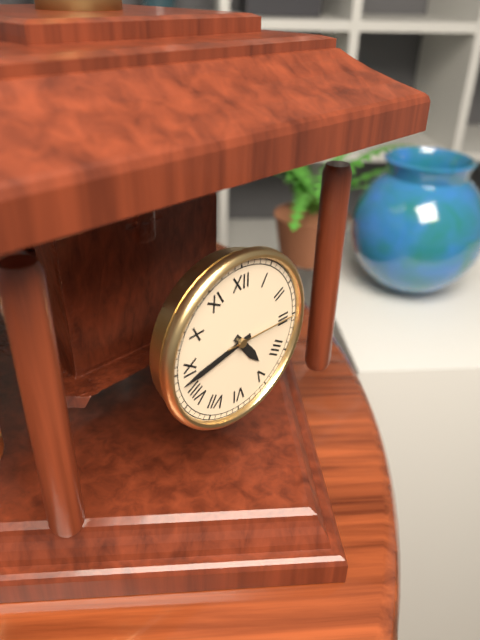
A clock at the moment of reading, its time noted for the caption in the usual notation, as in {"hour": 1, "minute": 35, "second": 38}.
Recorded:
{"hour": 4, "minute": 43, "second": 15}
